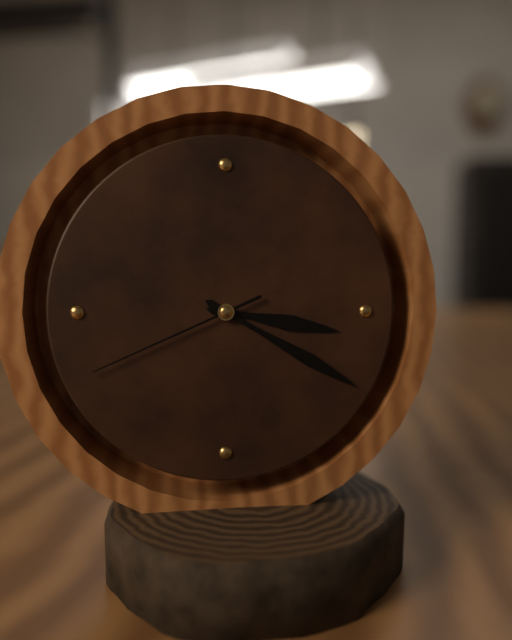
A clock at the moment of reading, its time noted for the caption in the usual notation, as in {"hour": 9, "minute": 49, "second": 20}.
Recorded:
{"hour": 3, "minute": 20, "second": 41}
